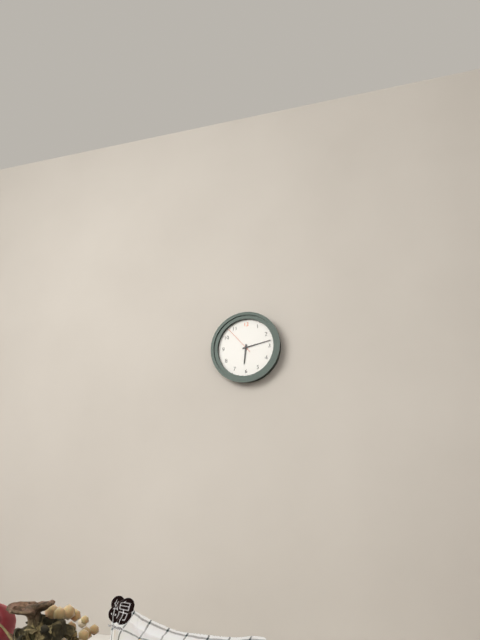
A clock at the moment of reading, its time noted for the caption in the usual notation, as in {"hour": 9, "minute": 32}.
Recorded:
{"hour": 6, "minute": 13}
